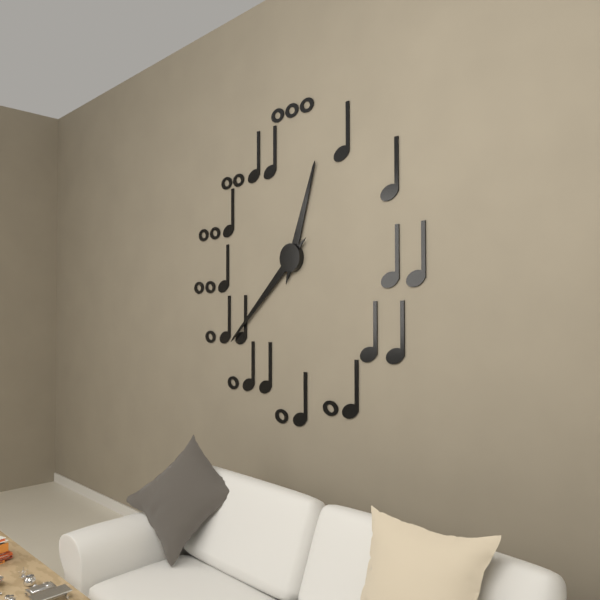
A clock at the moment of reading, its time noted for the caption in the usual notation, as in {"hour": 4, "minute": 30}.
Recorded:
{"hour": 12, "minute": 38}
